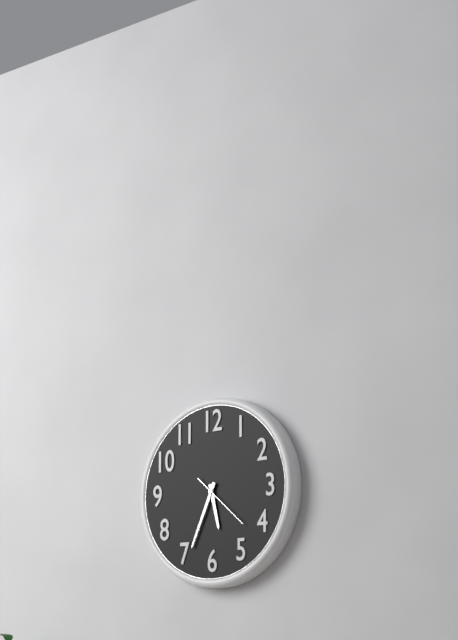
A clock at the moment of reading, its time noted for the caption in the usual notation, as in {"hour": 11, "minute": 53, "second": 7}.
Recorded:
{"hour": 5, "minute": 34, "second": 22}
